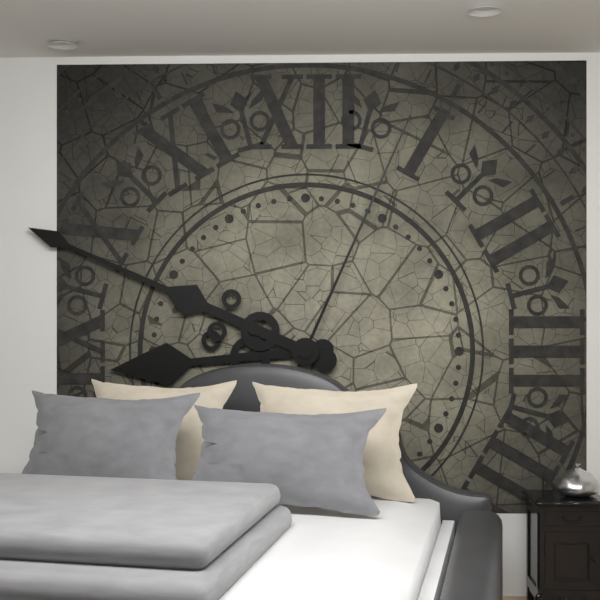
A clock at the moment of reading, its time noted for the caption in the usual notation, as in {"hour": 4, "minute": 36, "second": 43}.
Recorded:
{"hour": 8, "minute": 49, "second": 4}
